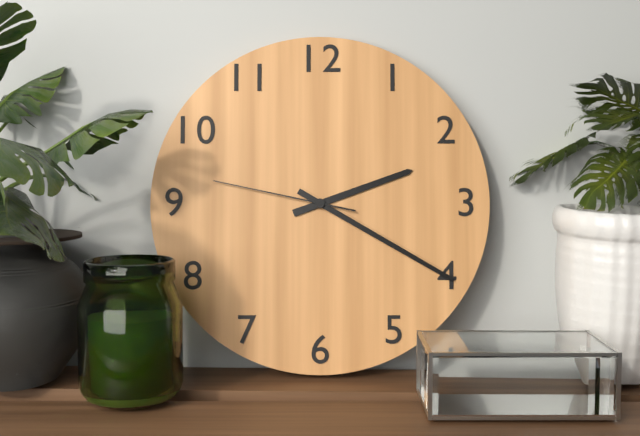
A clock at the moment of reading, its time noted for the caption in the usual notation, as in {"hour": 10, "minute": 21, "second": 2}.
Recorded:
{"hour": 2, "minute": 20, "second": 47}
